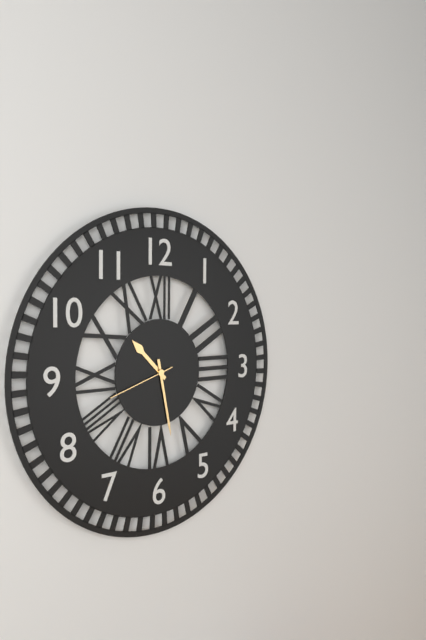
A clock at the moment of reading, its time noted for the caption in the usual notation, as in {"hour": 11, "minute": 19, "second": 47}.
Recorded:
{"hour": 10, "minute": 28, "second": 42}
